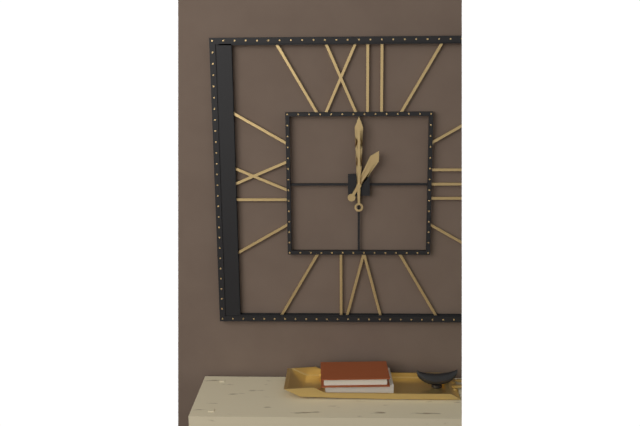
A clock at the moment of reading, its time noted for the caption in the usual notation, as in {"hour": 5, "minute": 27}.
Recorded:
{"hour": 1, "minute": 0}
